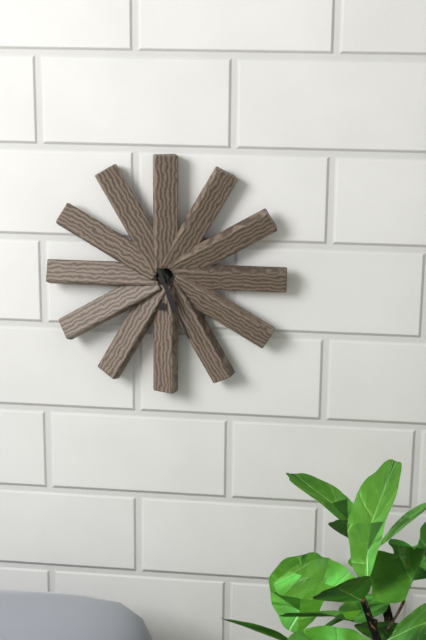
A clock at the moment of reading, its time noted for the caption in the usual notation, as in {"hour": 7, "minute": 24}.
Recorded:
{"hour": 5, "minute": 26}
